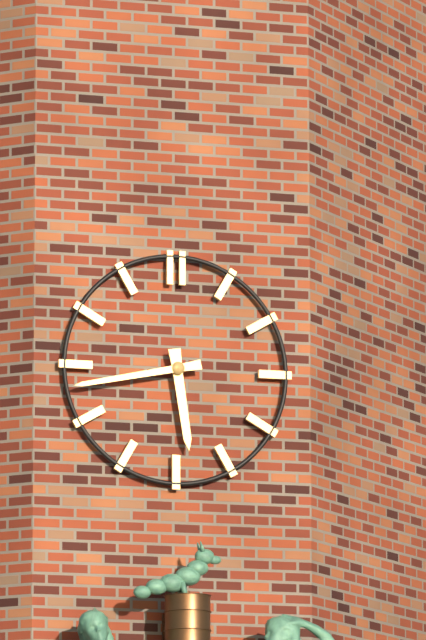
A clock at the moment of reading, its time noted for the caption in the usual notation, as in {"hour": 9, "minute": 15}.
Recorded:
{"hour": 5, "minute": 43}
